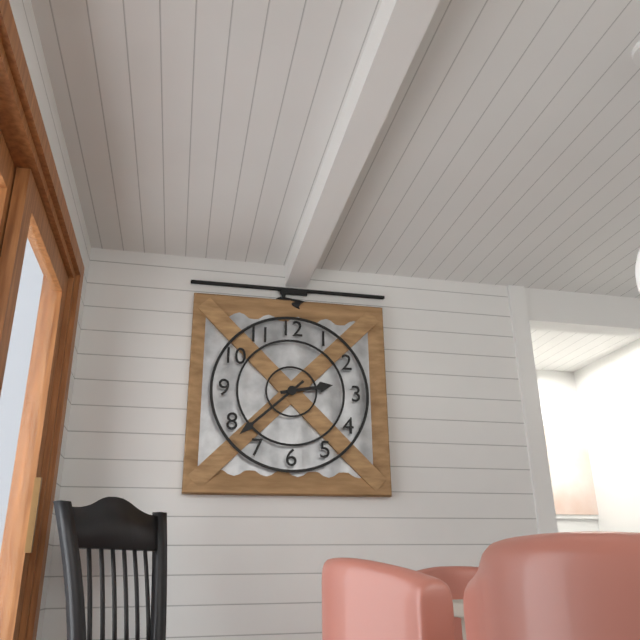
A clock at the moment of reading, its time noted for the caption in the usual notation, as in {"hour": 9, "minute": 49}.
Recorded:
{"hour": 2, "minute": 38}
